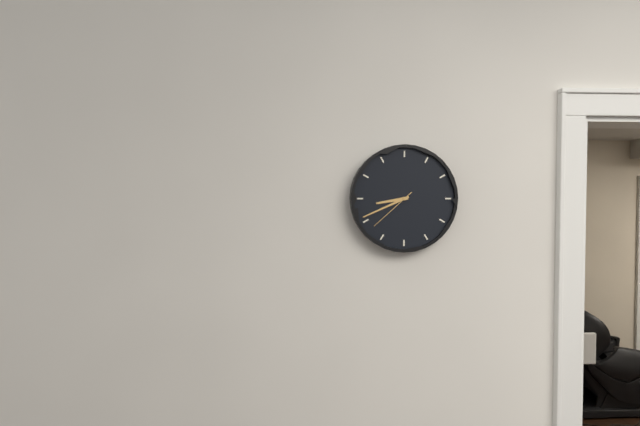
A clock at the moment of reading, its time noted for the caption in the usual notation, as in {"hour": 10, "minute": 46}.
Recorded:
{"hour": 8, "minute": 41}
